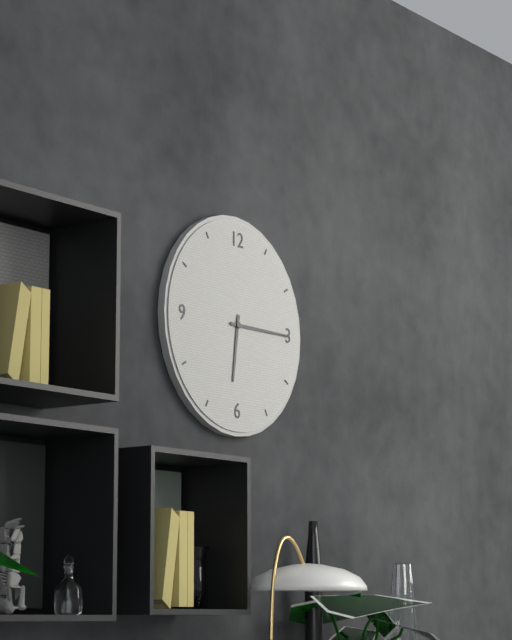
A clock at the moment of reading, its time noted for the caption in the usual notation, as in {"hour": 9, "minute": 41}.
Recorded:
{"hour": 6, "minute": 15}
